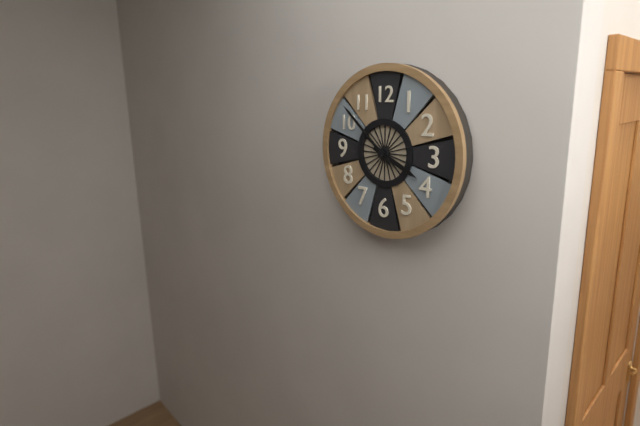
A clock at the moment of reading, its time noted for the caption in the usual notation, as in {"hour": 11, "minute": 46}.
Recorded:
{"hour": 3, "minute": 52}
